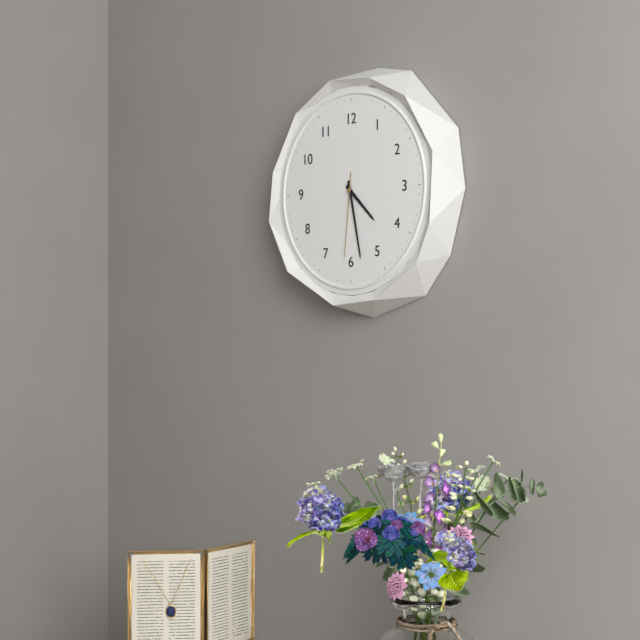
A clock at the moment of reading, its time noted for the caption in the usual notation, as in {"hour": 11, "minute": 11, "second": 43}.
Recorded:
{"hour": 4, "minute": 28, "second": 31}
